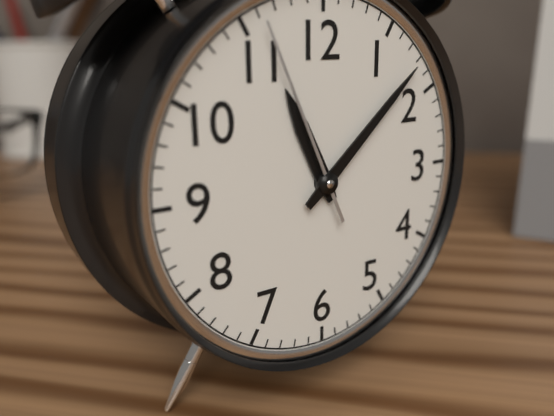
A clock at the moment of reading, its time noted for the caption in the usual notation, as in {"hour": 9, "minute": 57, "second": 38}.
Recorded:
{"hour": 11, "minute": 8, "second": 56}
